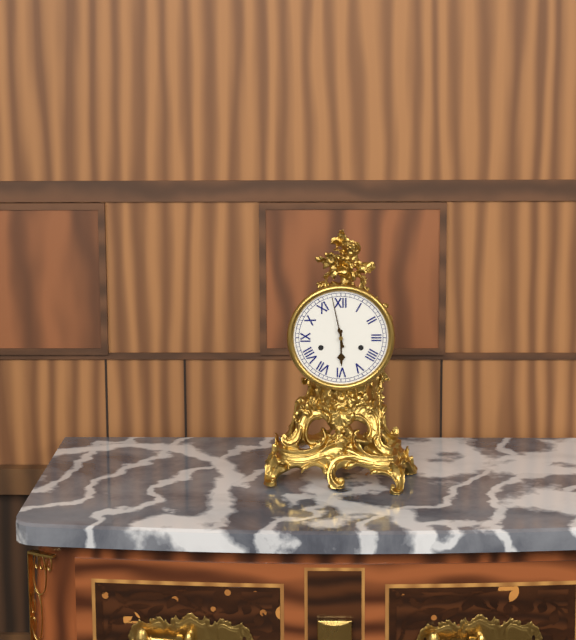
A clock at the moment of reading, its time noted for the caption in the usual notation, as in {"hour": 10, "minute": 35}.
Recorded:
{"hour": 5, "minute": 58}
